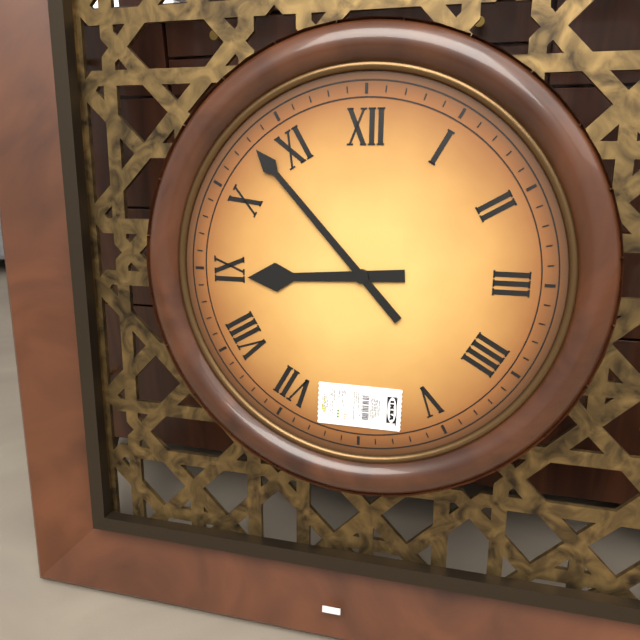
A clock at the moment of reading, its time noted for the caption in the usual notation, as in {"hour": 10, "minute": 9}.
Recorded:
{"hour": 8, "minute": 53}
